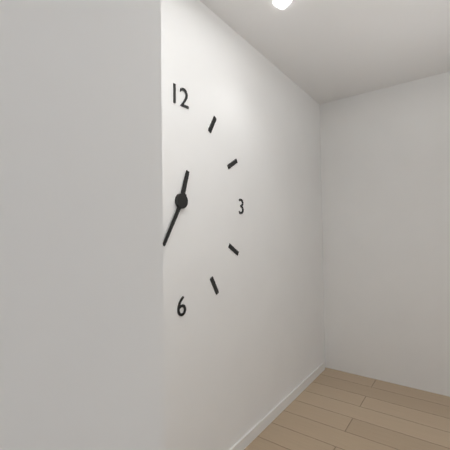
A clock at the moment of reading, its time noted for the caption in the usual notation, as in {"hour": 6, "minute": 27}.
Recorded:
{"hour": 12, "minute": 35}
